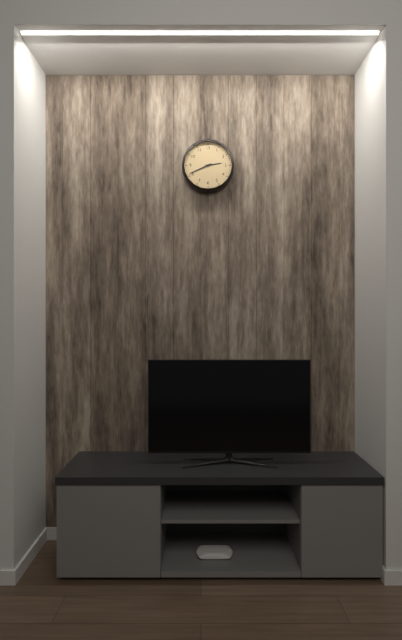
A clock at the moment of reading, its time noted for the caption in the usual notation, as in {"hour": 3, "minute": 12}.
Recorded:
{"hour": 2, "minute": 41}
